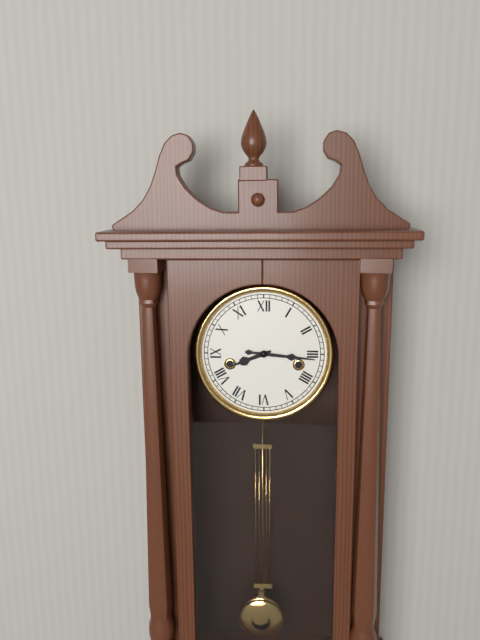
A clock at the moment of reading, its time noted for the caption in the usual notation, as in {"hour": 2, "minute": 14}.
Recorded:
{"hour": 8, "minute": 16}
